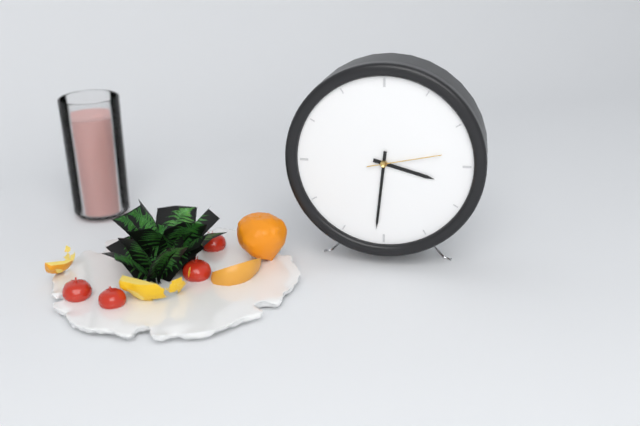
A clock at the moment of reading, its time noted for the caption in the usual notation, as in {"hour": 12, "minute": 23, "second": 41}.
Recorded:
{"hour": 3, "minute": 31, "second": 13}
